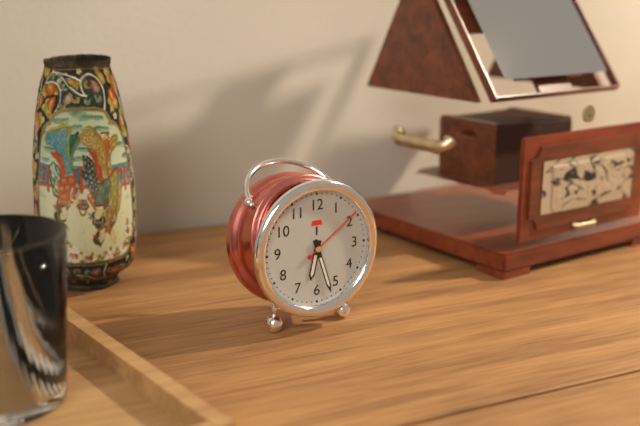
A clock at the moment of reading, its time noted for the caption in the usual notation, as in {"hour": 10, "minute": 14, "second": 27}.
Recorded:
{"hour": 6, "minute": 27, "second": 9}
